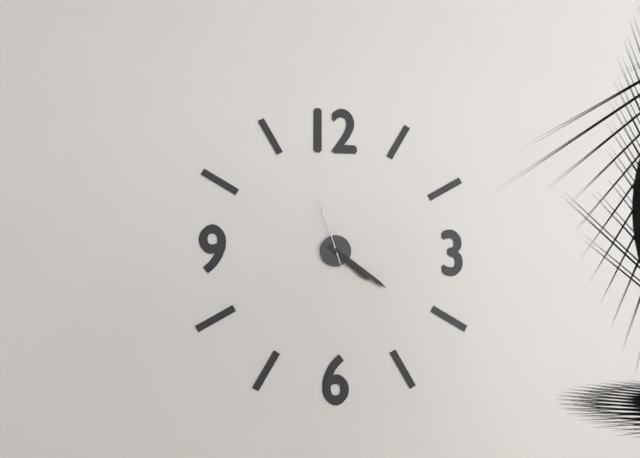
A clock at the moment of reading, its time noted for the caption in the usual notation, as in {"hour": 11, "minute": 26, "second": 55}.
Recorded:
{"hour": 4, "minute": 21, "second": 57}
